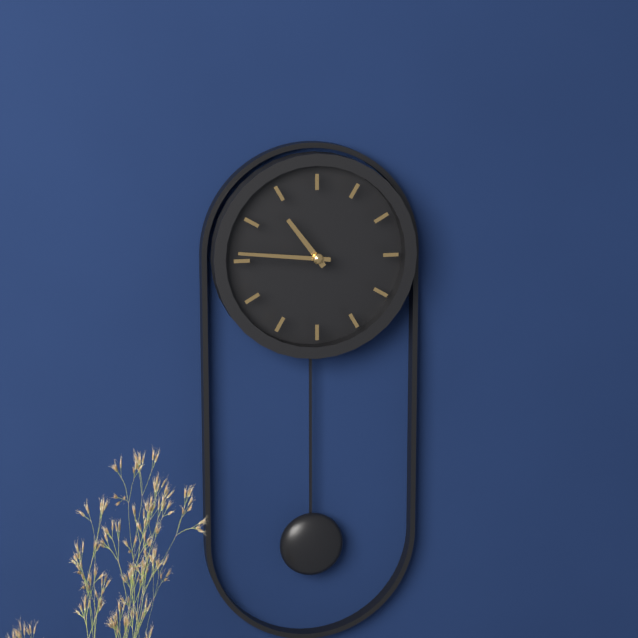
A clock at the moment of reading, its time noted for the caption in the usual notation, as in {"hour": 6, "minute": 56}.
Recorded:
{"hour": 10, "minute": 46}
